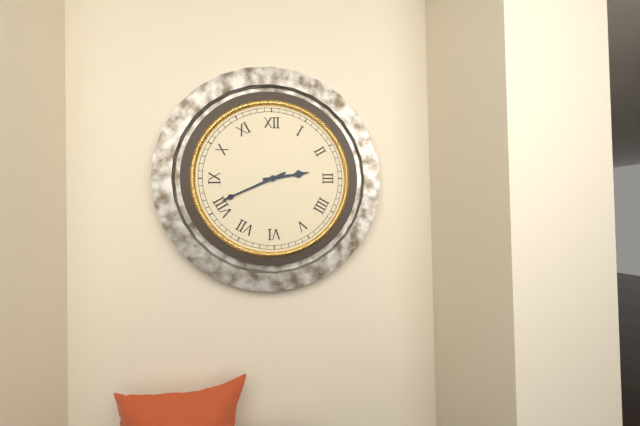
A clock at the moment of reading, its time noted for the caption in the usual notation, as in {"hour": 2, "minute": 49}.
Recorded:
{"hour": 2, "minute": 41}
